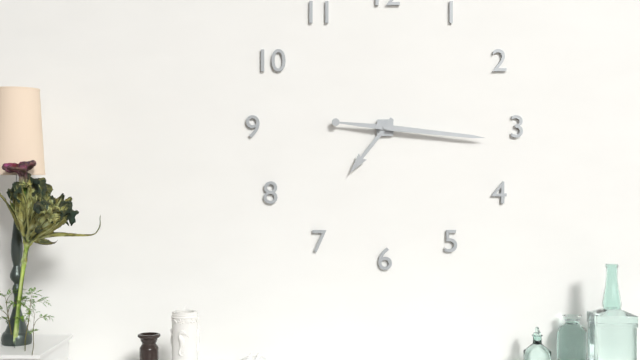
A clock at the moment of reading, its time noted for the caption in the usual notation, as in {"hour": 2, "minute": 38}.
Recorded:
{"hour": 7, "minute": 16}
